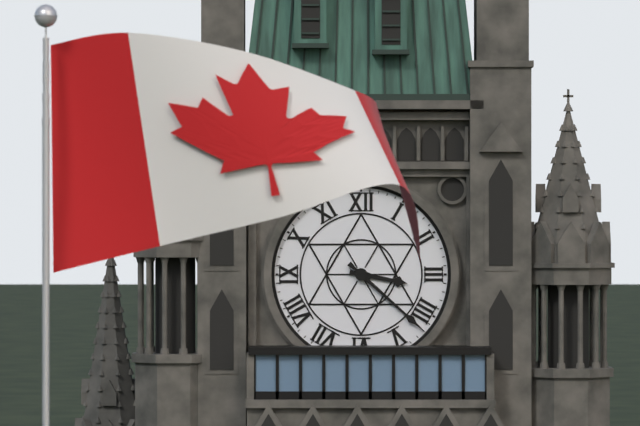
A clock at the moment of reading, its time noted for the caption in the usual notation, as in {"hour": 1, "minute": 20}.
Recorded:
{"hour": 3, "minute": 22}
